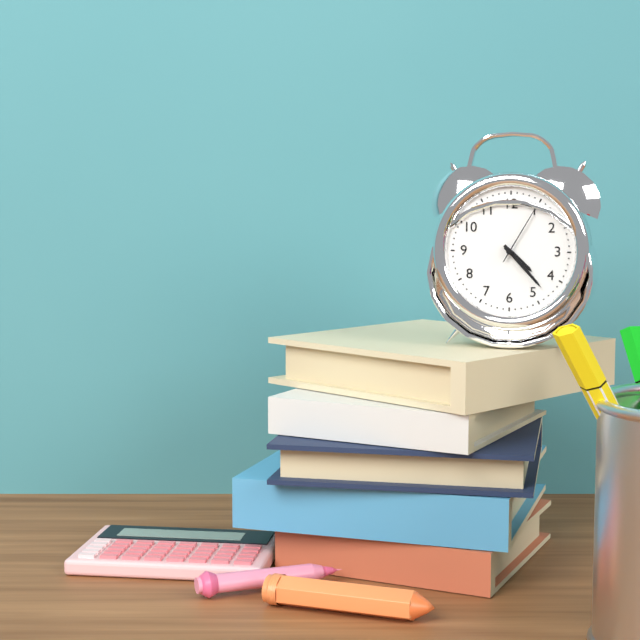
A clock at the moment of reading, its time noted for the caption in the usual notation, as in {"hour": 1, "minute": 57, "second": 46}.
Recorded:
{"hour": 4, "minute": 23, "second": 5}
